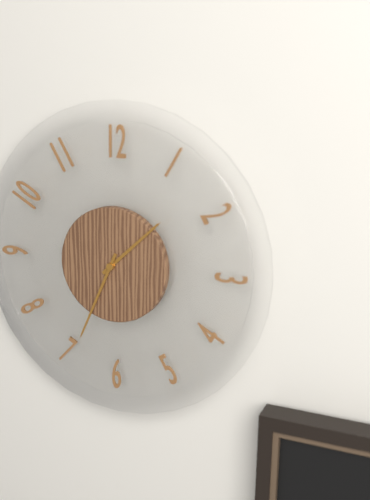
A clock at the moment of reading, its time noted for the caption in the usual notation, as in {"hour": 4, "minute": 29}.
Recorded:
{"hour": 1, "minute": 34}
